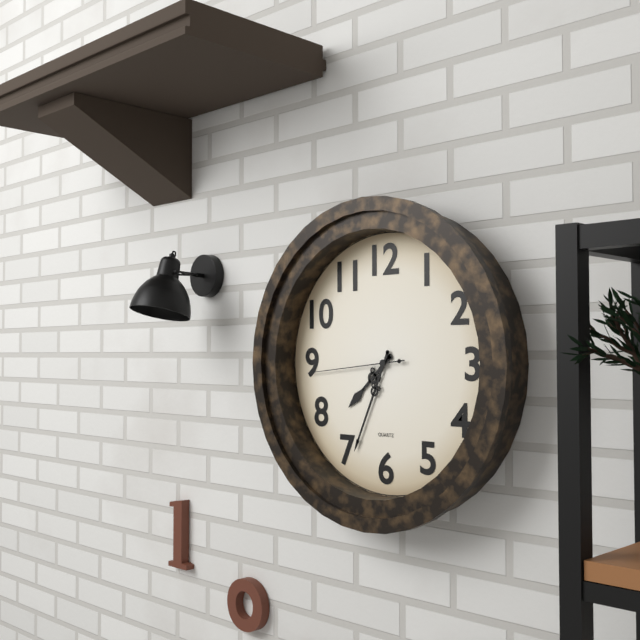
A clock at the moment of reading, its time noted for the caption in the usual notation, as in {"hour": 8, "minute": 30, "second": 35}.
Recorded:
{"hour": 7, "minute": 34, "second": 44}
